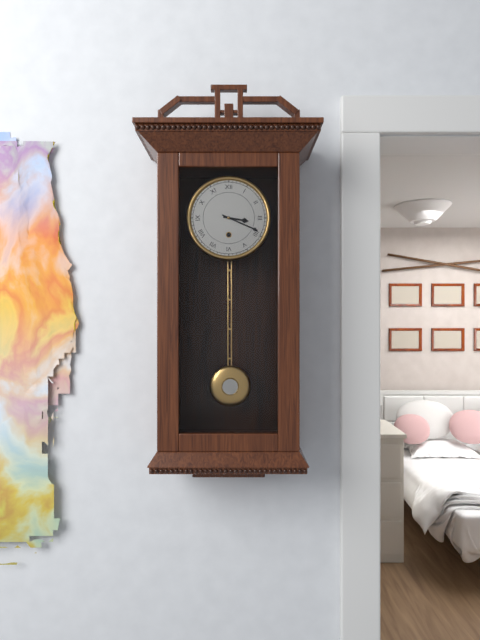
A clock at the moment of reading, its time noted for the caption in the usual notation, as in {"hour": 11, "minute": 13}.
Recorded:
{"hour": 3, "minute": 19}
